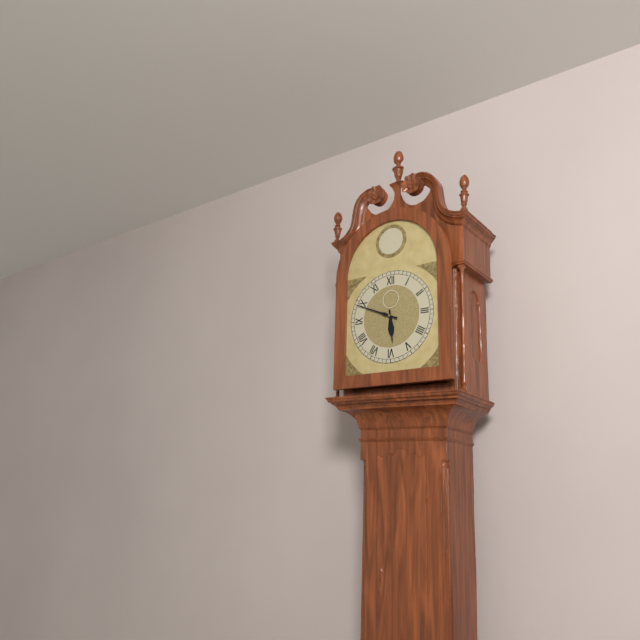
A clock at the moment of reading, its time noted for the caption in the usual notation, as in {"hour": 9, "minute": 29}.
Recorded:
{"hour": 5, "minute": 49}
